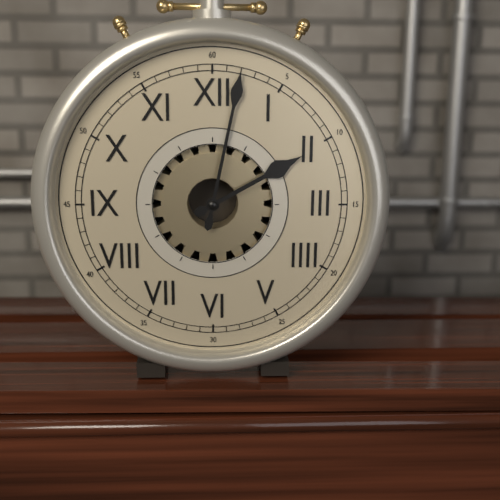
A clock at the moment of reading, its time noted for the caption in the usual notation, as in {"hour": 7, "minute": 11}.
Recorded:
{"hour": 2, "minute": 2}
